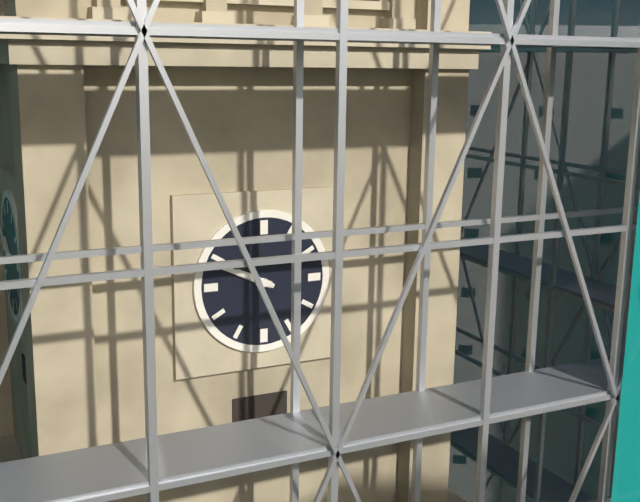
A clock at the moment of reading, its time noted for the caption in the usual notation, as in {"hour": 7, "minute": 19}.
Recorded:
{"hour": 9, "minute": 49}
